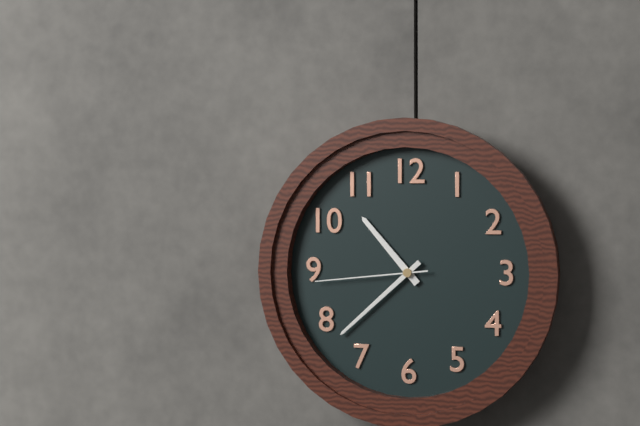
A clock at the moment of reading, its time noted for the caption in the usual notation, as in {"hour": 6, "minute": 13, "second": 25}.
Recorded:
{"hour": 10, "minute": 38, "second": 44}
